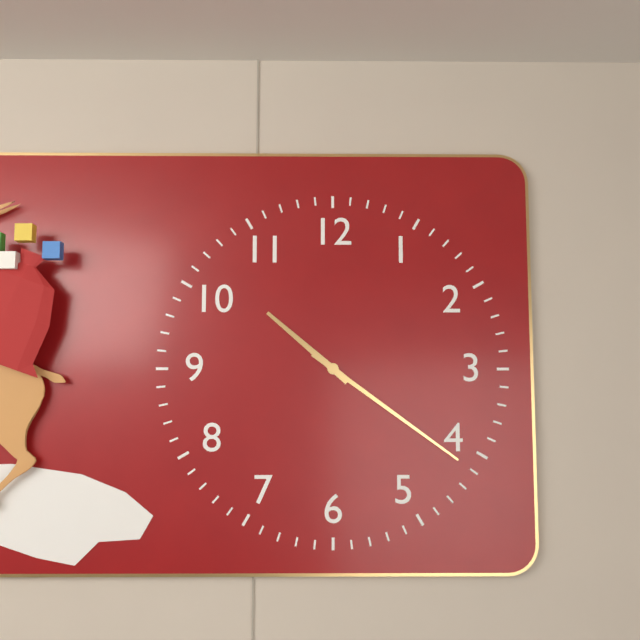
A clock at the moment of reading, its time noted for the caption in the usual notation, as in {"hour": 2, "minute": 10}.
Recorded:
{"hour": 10, "minute": 21}
